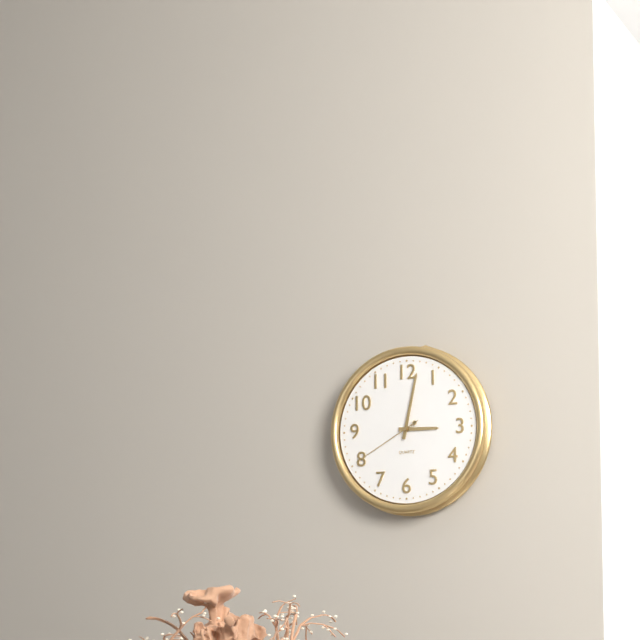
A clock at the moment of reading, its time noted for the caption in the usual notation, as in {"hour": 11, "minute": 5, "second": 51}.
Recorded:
{"hour": 3, "minute": 2, "second": 40}
